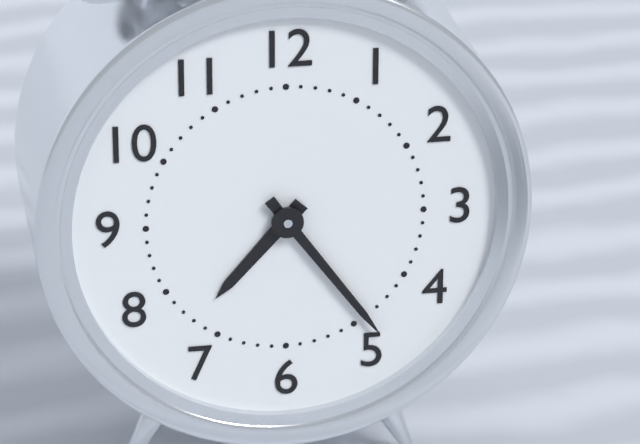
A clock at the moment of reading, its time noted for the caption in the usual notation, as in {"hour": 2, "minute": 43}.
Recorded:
{"hour": 7, "minute": 24}
